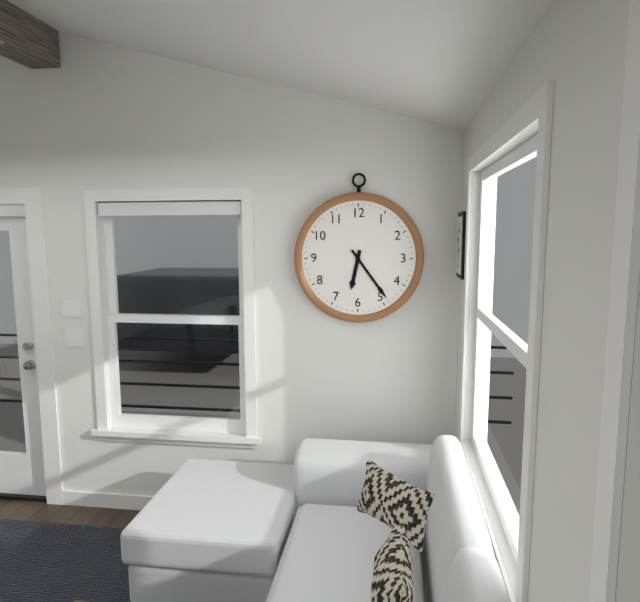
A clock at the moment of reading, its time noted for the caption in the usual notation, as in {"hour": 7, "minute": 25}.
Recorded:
{"hour": 6, "minute": 24}
